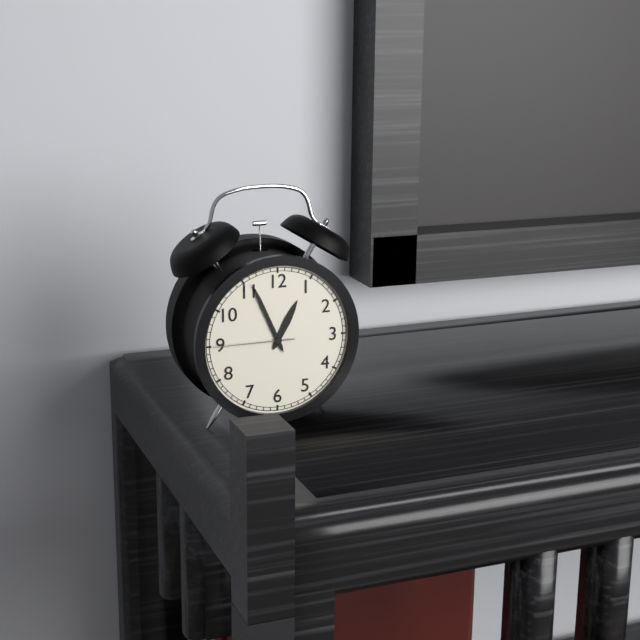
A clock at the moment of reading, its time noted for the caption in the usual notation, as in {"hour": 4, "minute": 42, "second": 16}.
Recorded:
{"hour": 12, "minute": 56, "second": 45}
